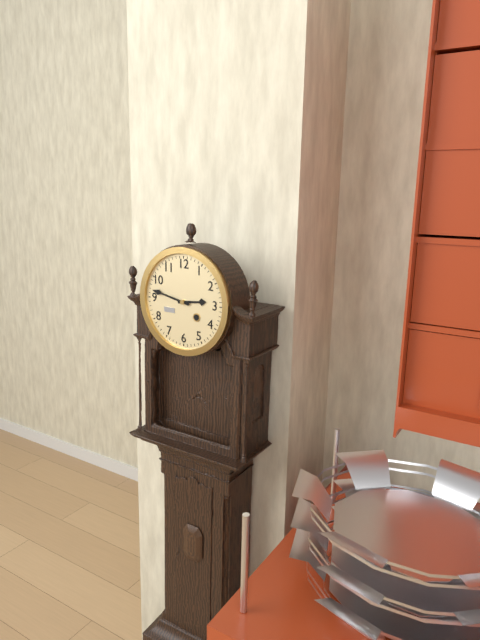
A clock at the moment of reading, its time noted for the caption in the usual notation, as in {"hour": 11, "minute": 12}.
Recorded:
{"hour": 2, "minute": 47}
